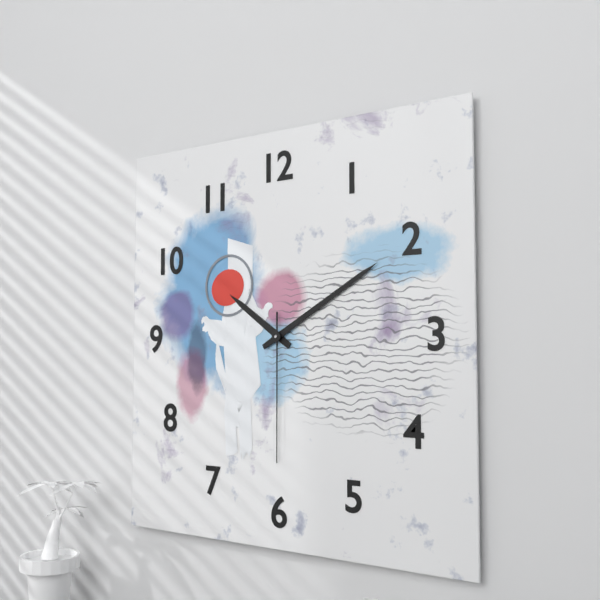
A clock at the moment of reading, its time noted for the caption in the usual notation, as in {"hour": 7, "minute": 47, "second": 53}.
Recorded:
{"hour": 10, "minute": 10, "second": 30}
